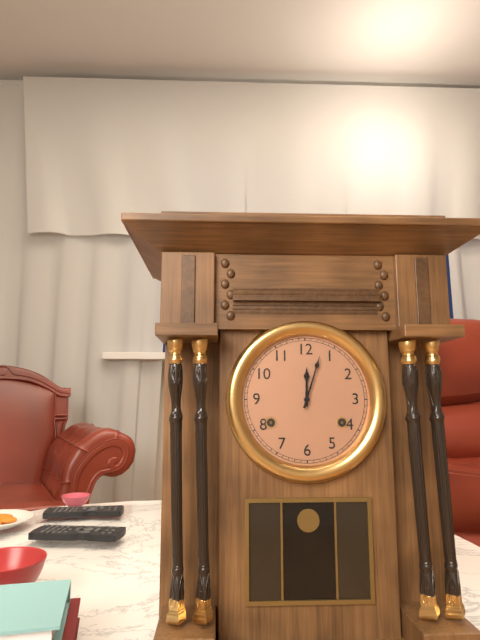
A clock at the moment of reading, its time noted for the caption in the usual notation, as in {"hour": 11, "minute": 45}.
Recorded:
{"hour": 12, "minute": 3}
